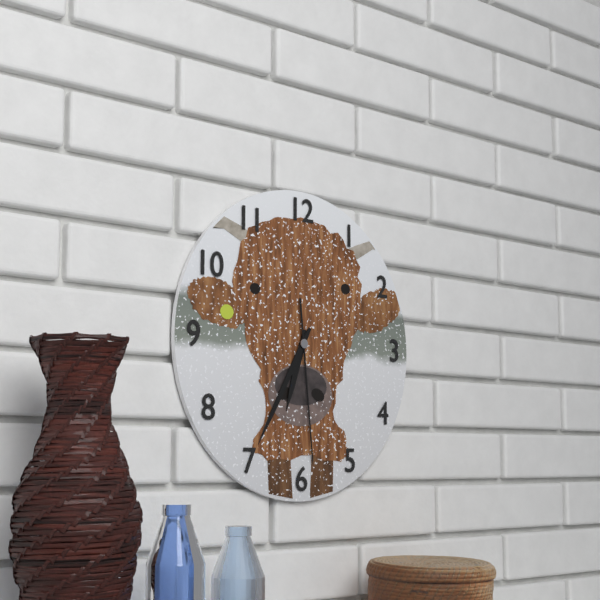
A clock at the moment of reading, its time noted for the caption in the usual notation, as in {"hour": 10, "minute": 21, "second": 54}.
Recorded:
{"hour": 6, "minute": 35, "second": 29}
